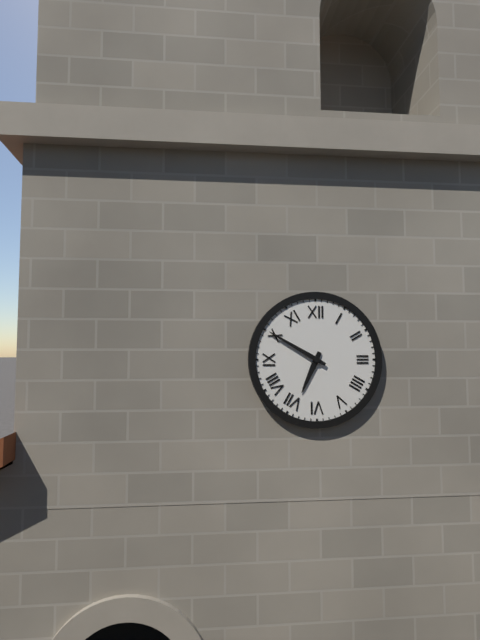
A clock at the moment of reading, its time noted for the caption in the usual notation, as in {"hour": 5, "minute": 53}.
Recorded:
{"hour": 6, "minute": 50}
